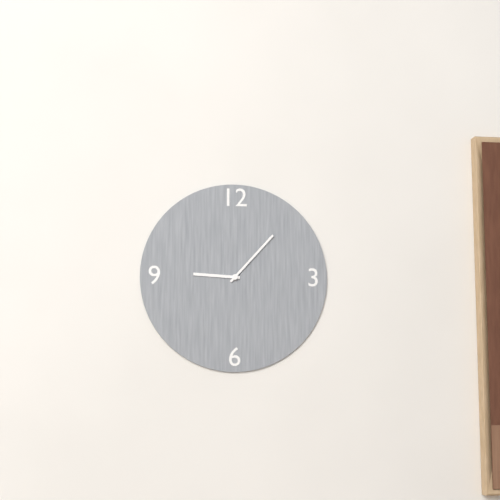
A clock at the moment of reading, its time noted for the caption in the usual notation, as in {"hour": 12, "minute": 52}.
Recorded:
{"hour": 9, "minute": 7}
